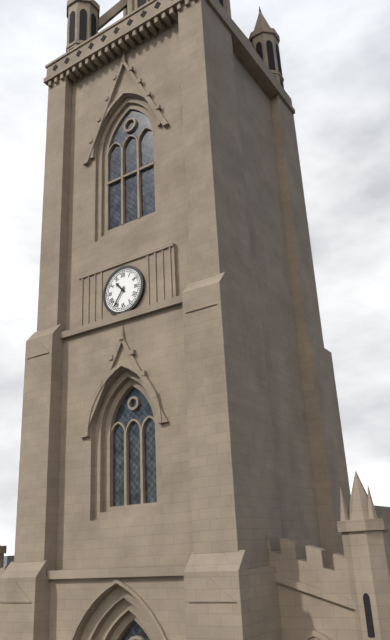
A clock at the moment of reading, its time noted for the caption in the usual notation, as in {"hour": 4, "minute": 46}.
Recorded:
{"hour": 10, "minute": 36}
